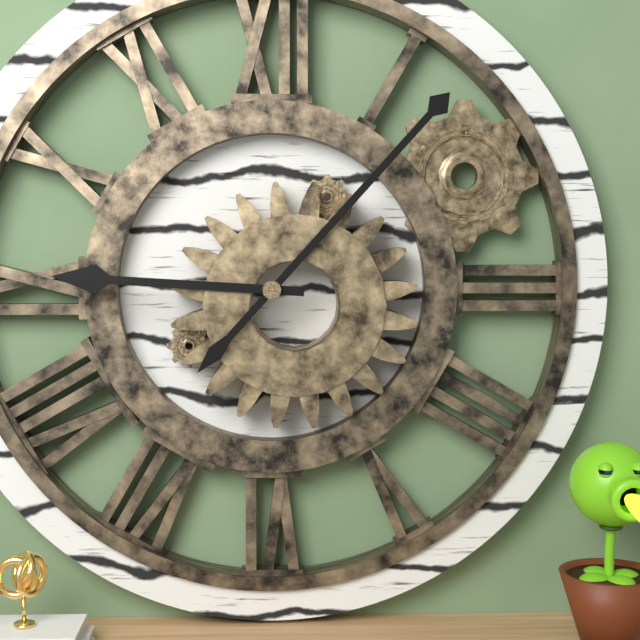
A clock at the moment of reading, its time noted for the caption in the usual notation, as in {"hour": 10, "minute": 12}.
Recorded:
{"hour": 9, "minute": 7}
